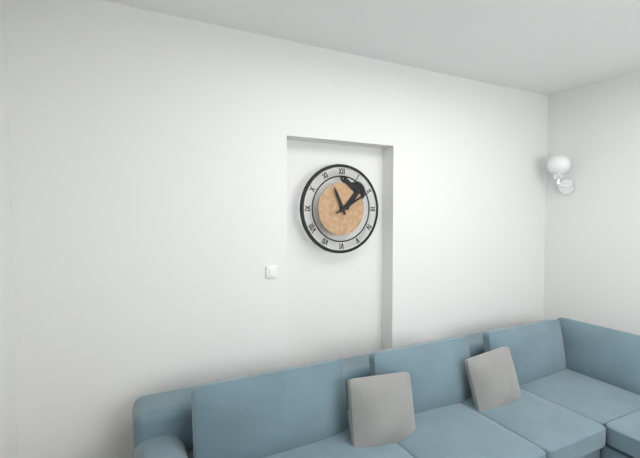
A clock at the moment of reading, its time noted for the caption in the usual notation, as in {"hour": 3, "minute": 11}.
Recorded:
{"hour": 11, "minute": 10}
